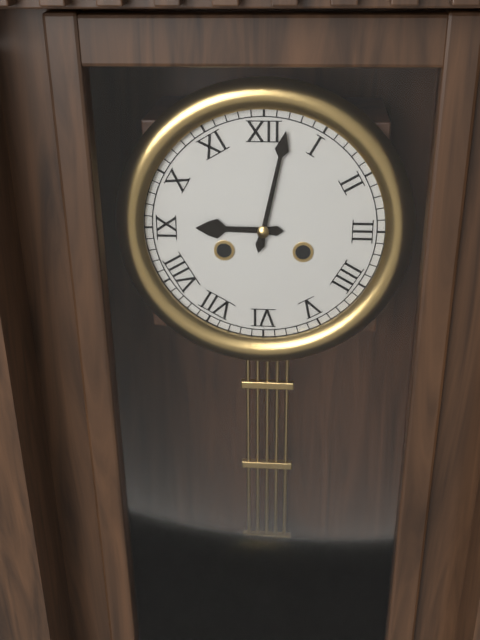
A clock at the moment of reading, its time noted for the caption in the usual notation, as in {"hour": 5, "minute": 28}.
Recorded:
{"hour": 9, "minute": 2}
